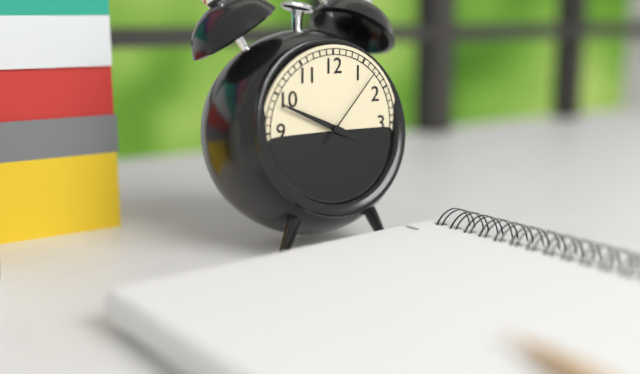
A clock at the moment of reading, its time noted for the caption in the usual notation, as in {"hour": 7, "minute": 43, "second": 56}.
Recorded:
{"hour": 3, "minute": 49, "second": 7}
